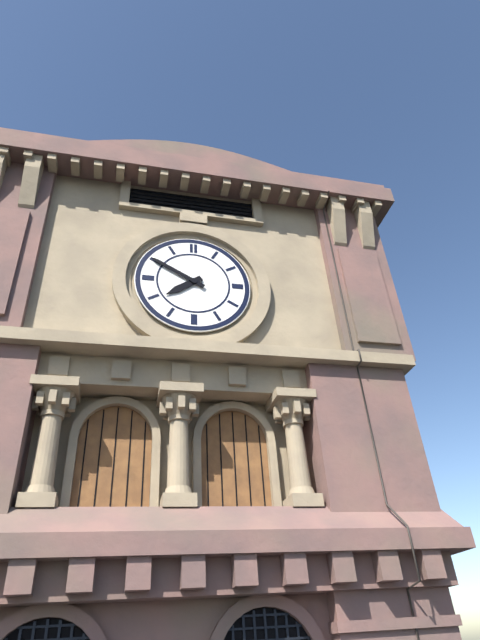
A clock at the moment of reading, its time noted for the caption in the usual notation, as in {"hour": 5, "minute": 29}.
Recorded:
{"hour": 7, "minute": 50}
